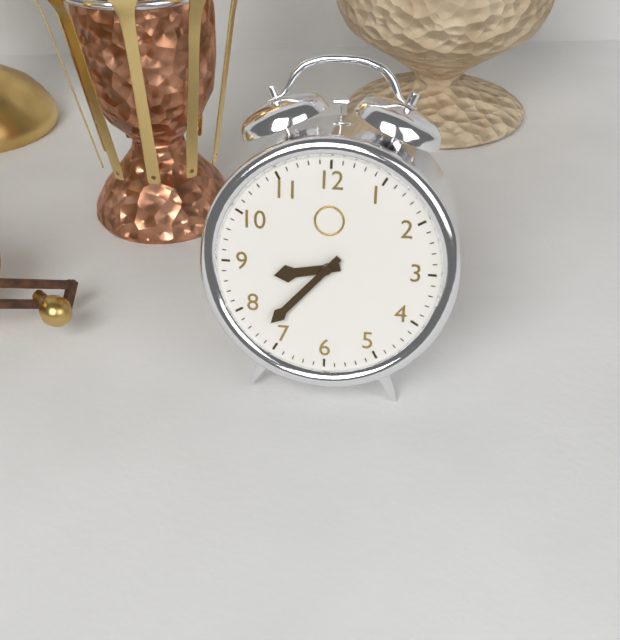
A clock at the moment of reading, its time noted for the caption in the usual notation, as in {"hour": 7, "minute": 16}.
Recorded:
{"hour": 8, "minute": 37}
